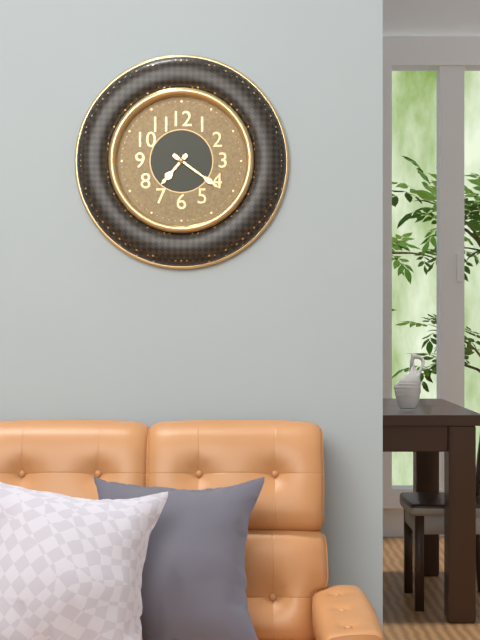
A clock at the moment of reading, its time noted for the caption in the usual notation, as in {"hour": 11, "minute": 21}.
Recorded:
{"hour": 7, "minute": 21}
